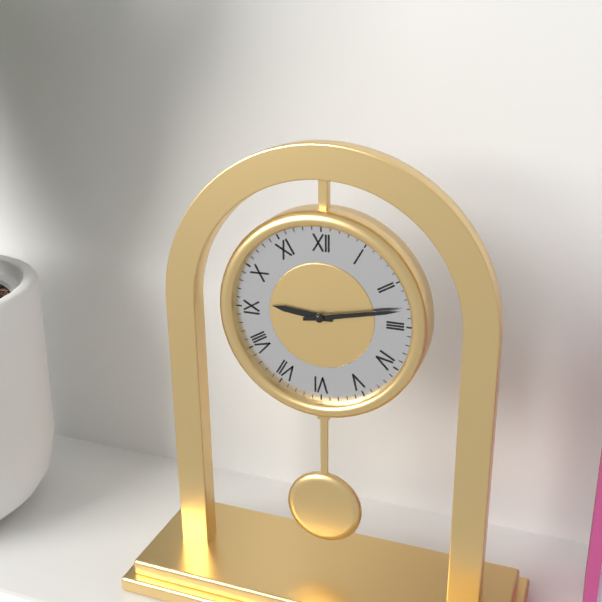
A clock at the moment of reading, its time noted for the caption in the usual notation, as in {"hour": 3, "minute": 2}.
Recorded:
{"hour": 9, "minute": 13}
